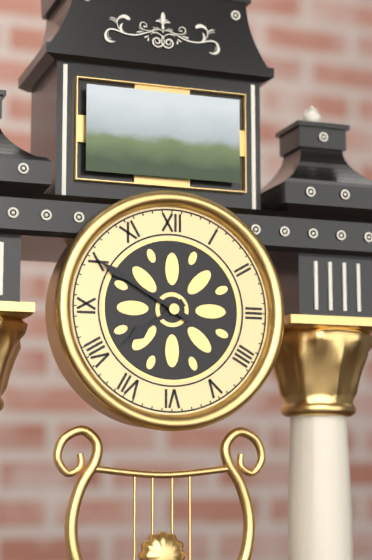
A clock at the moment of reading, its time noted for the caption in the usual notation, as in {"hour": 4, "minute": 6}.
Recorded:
{"hour": 7, "minute": 50}
